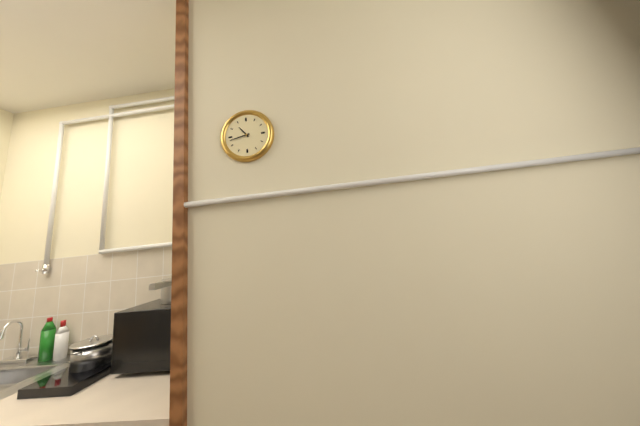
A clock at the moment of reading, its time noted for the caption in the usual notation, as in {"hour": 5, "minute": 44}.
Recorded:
{"hour": 10, "minute": 43}
